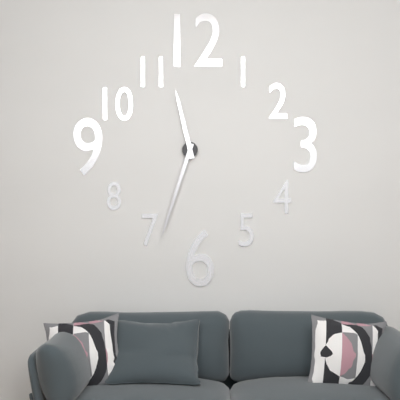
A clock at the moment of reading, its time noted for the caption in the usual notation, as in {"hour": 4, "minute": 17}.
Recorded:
{"hour": 11, "minute": 33}
